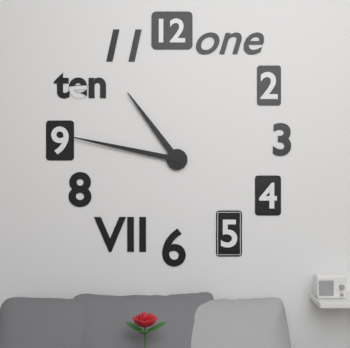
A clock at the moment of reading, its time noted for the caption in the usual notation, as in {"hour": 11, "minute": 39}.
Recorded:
{"hour": 10, "minute": 47}
